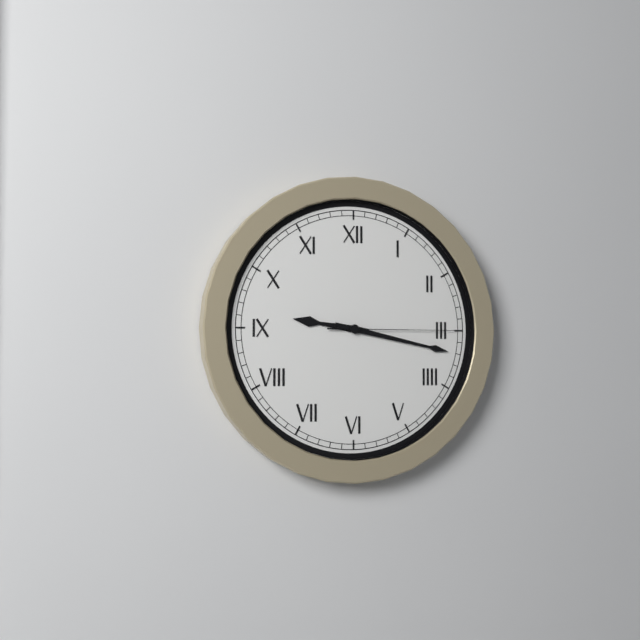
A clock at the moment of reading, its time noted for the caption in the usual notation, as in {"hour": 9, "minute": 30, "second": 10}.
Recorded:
{"hour": 9, "minute": 17, "second": 15}
